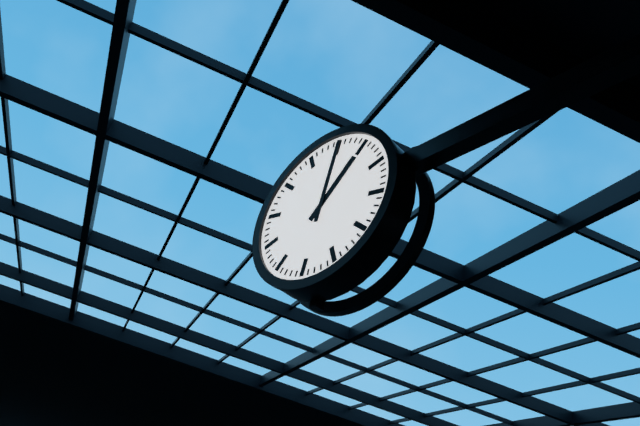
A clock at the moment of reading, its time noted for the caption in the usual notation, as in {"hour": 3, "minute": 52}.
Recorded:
{"hour": 1, "minute": 0}
